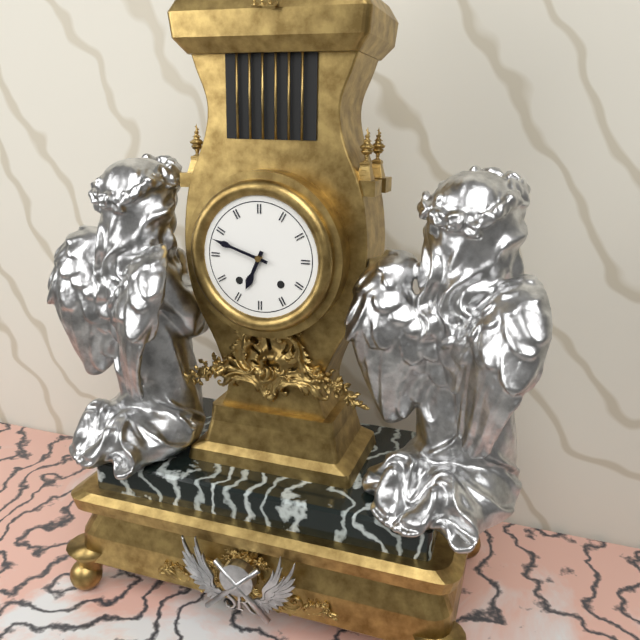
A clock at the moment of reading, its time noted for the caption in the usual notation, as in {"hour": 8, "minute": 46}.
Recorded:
{"hour": 6, "minute": 48}
